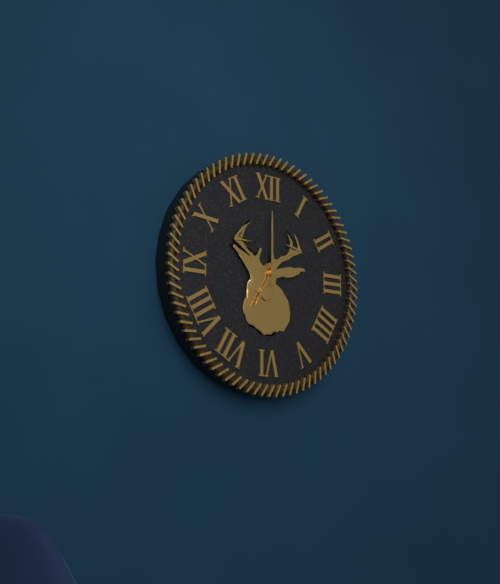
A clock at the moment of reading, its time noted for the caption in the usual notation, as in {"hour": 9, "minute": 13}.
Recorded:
{"hour": 7, "minute": 0}
